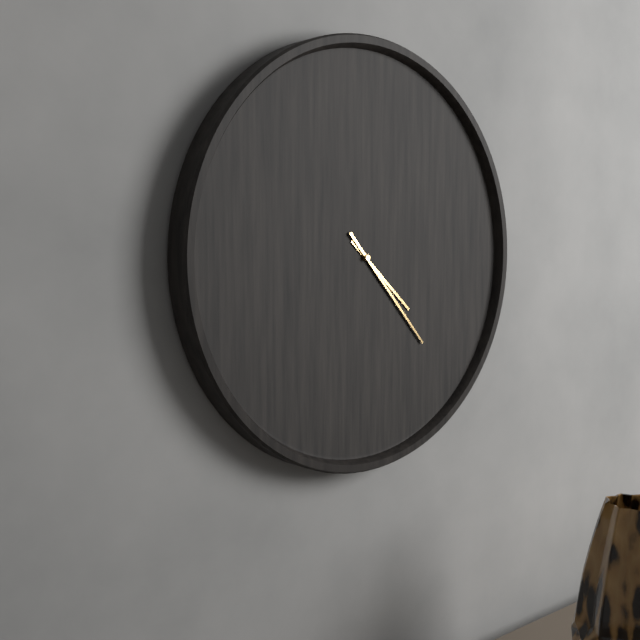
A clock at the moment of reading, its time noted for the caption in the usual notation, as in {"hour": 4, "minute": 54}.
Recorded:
{"hour": 4, "minute": 23}
